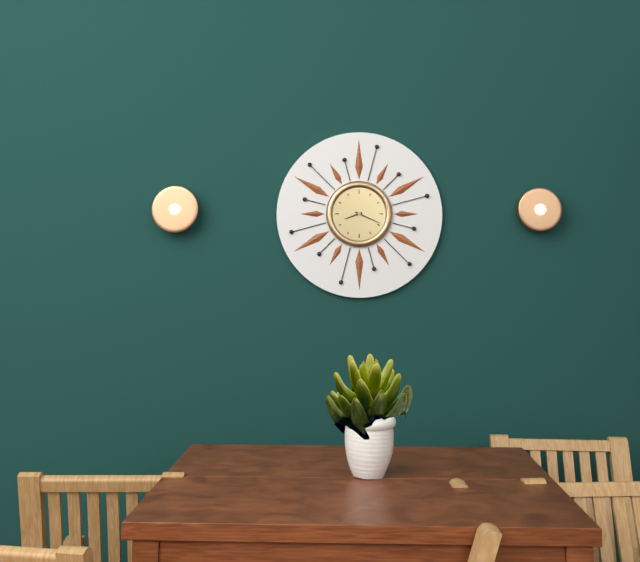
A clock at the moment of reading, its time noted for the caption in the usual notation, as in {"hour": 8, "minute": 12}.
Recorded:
{"hour": 8, "minute": 19}
